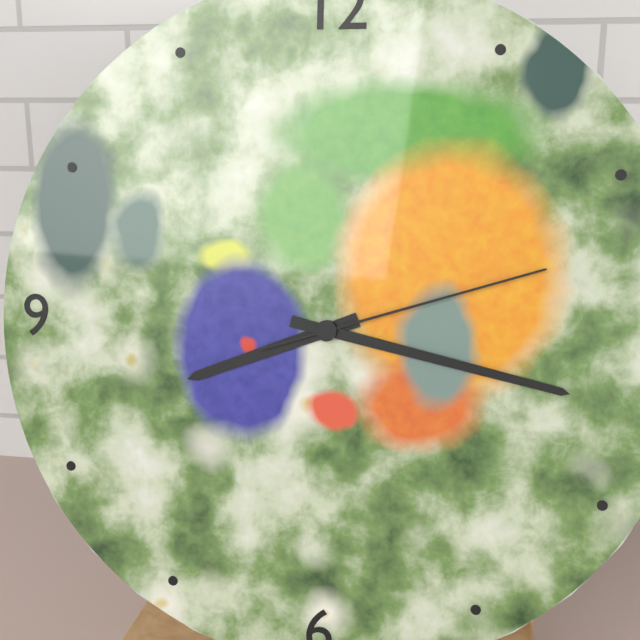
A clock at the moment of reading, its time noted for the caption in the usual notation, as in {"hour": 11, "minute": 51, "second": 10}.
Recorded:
{"hour": 8, "minute": 17, "second": 12}
